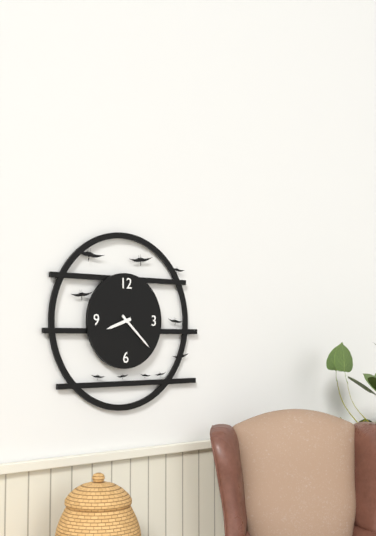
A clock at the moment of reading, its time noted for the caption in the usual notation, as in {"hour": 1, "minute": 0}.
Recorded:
{"hour": 8, "minute": 22}
